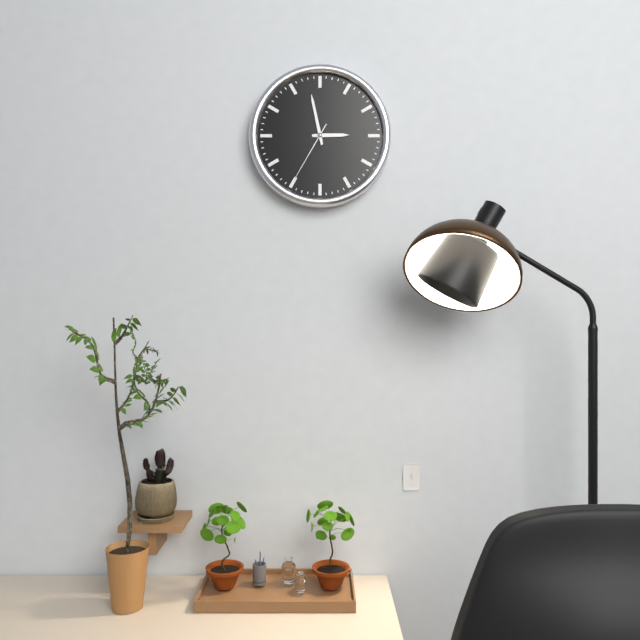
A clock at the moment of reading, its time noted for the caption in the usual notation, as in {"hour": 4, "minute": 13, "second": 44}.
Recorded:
{"hour": 2, "minute": 58, "second": 35}
